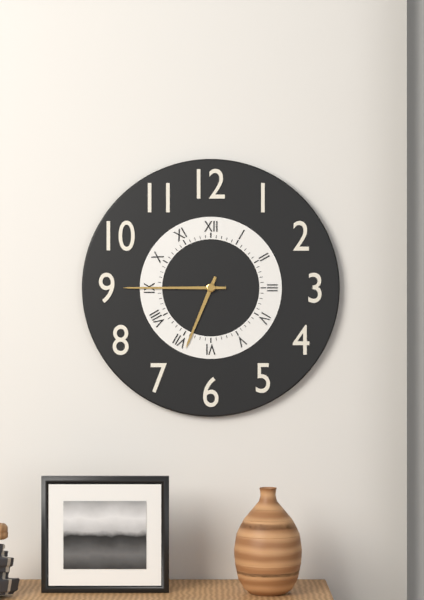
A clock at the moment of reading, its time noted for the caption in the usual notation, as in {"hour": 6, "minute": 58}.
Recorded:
{"hour": 6, "minute": 45}
